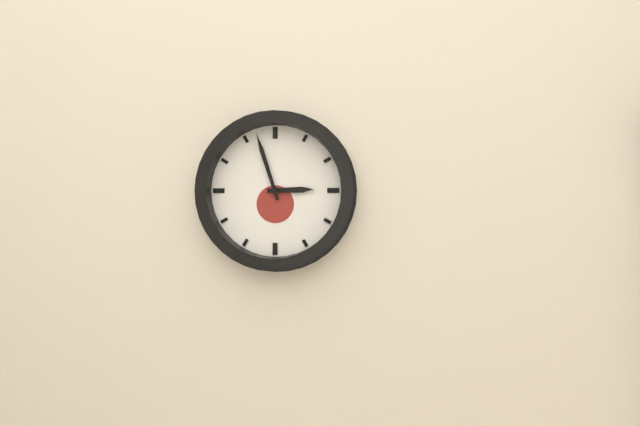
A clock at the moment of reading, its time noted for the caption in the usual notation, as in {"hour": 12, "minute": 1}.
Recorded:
{"hour": 2, "minute": 57}
